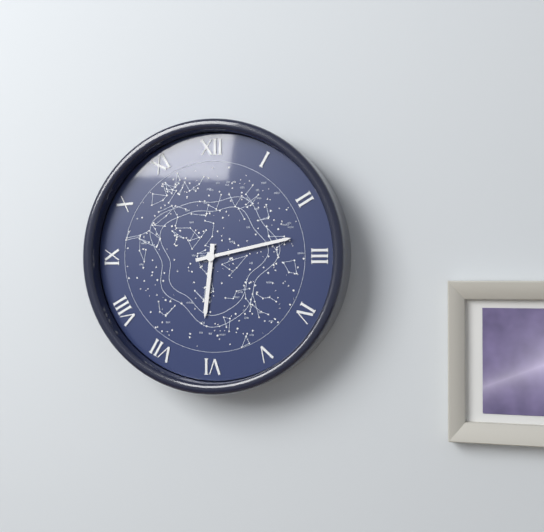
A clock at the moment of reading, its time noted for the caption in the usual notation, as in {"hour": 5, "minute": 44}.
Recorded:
{"hour": 6, "minute": 13}
